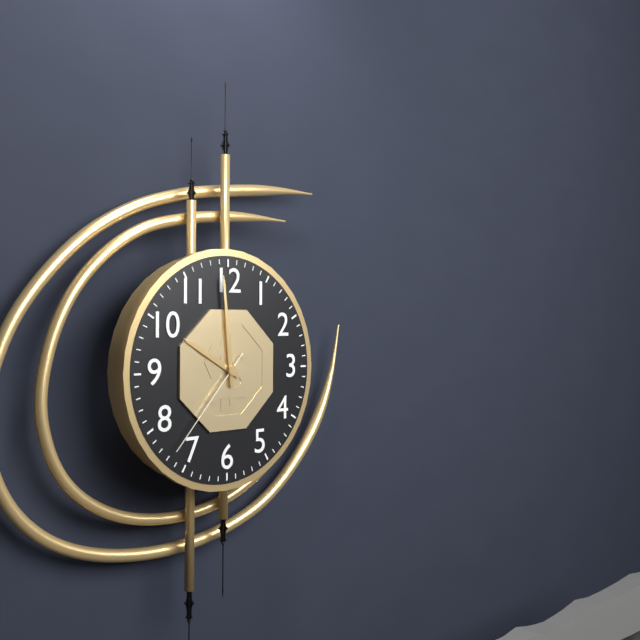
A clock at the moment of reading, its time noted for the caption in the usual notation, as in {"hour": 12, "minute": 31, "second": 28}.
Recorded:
{"hour": 9, "minute": 59, "second": 37}
